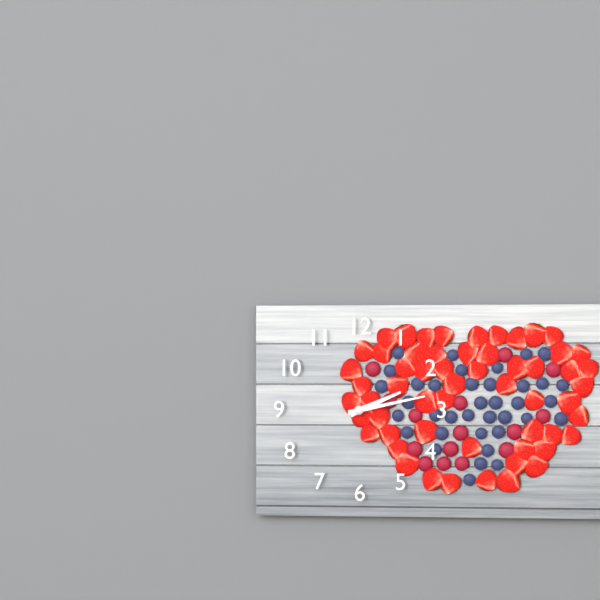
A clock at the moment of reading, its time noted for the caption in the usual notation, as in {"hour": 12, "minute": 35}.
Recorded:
{"hour": 2, "minute": 13}
